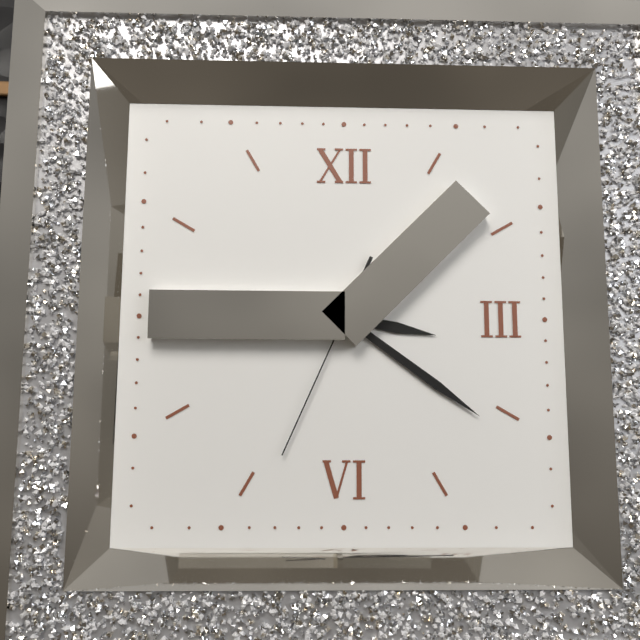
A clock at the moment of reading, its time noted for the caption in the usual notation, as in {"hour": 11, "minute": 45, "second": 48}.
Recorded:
{"hour": 3, "minute": 21, "second": 34}
